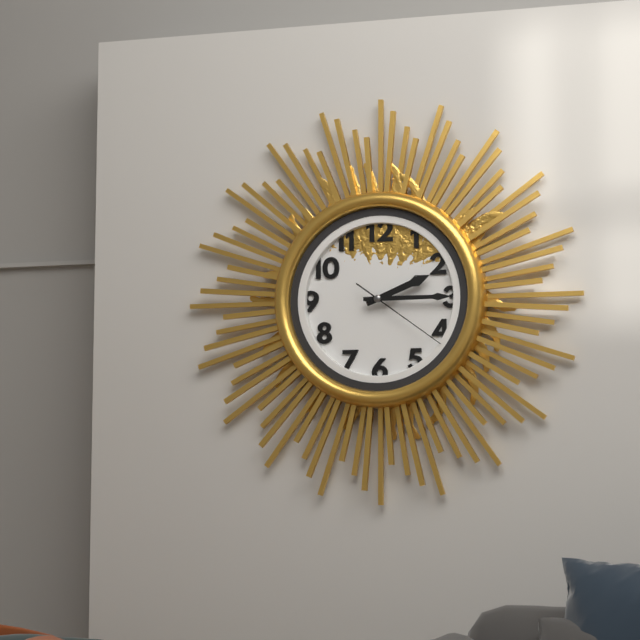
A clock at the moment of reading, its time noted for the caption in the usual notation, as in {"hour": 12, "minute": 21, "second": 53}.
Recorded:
{"hour": 2, "minute": 15, "second": 21}
